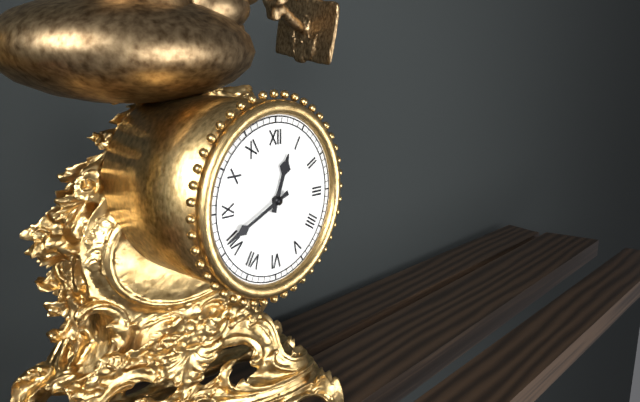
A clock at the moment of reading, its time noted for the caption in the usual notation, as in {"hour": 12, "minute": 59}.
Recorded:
{"hour": 12, "minute": 41}
